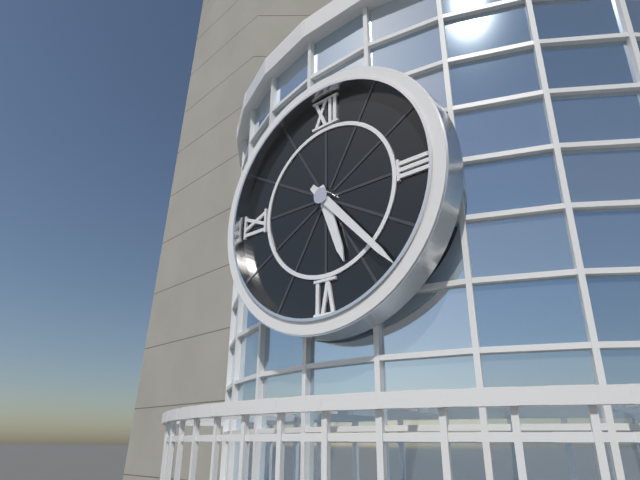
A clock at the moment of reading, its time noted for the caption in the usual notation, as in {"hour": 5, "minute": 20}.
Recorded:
{"hour": 5, "minute": 23}
